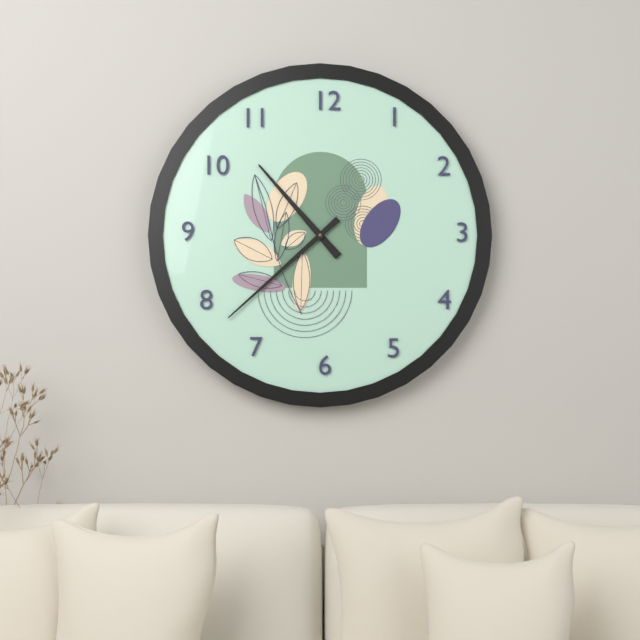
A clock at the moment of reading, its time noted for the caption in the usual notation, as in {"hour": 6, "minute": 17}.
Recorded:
{"hour": 10, "minute": 38}
